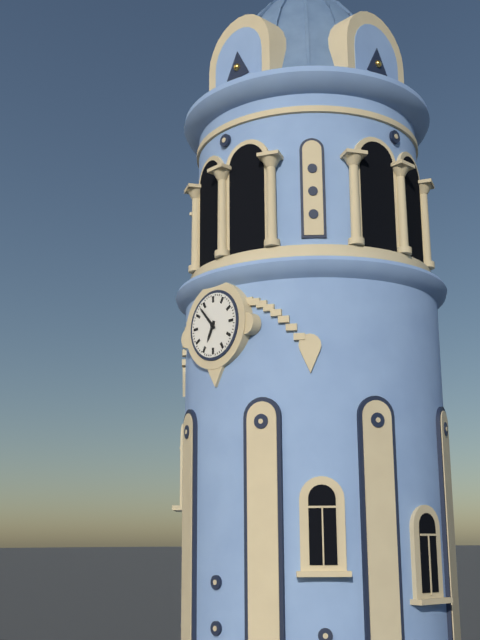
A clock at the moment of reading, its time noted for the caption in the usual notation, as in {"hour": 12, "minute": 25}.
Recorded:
{"hour": 6, "minute": 53}
